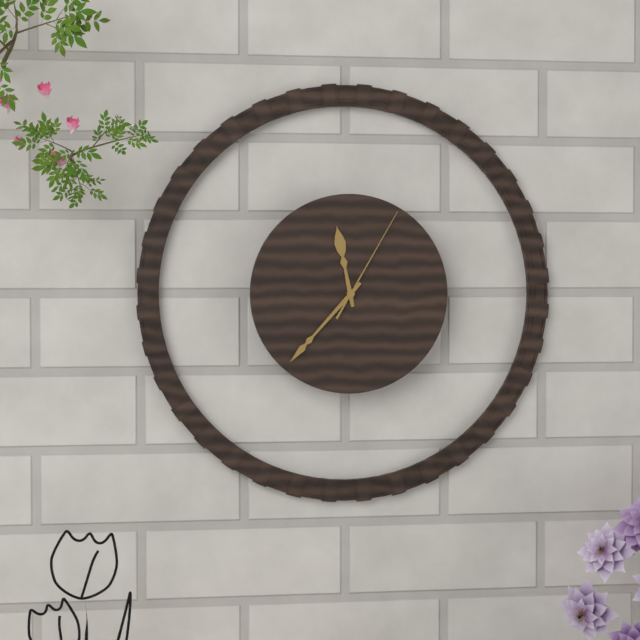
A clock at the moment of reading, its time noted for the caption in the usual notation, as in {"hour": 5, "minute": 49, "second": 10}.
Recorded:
{"hour": 11, "minute": 37, "second": 5}
